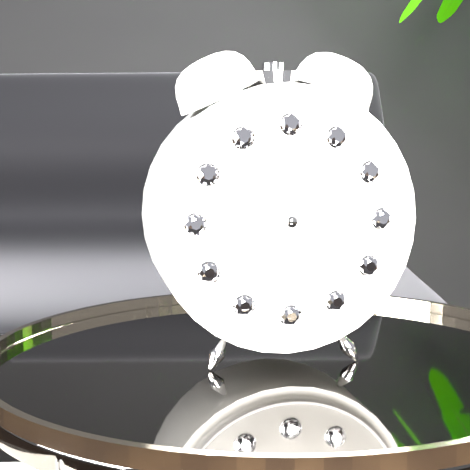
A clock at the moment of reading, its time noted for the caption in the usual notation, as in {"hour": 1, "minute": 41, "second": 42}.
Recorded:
{"hour": 4, "minute": 24, "second": 56}
